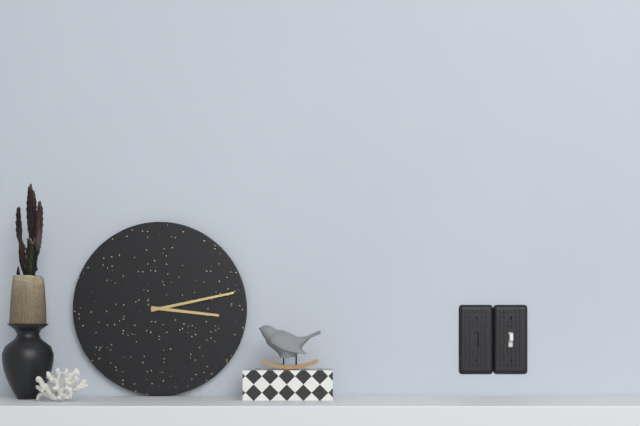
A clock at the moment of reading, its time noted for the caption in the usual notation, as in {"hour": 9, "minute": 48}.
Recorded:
{"hour": 3, "minute": 13}
